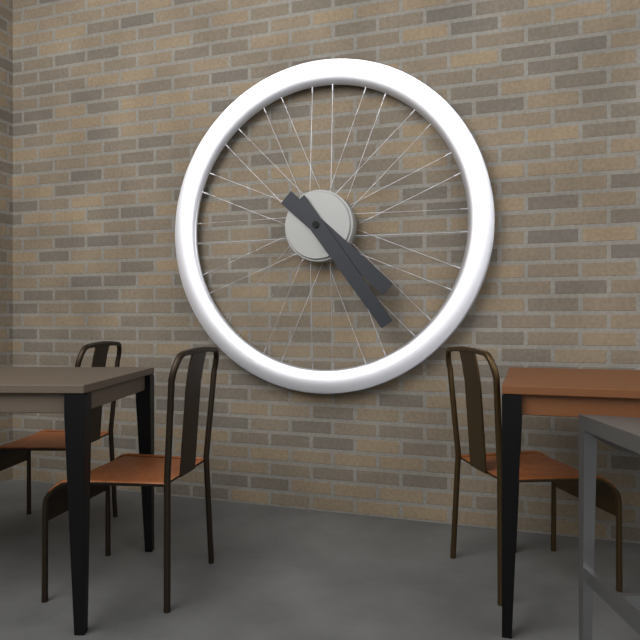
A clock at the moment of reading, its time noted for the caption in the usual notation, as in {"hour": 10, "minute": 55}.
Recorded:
{"hour": 4, "minute": 24}
